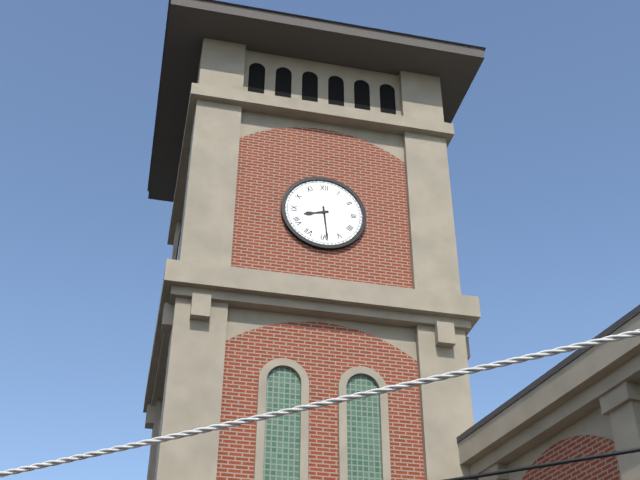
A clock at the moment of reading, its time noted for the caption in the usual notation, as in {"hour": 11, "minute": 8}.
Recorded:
{"hour": 8, "minute": 29}
